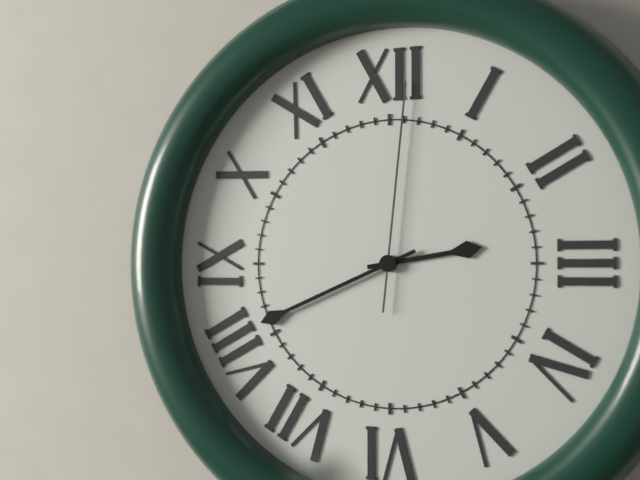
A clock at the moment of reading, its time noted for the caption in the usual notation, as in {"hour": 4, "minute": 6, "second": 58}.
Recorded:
{"hour": 2, "minute": 41, "second": 1}
